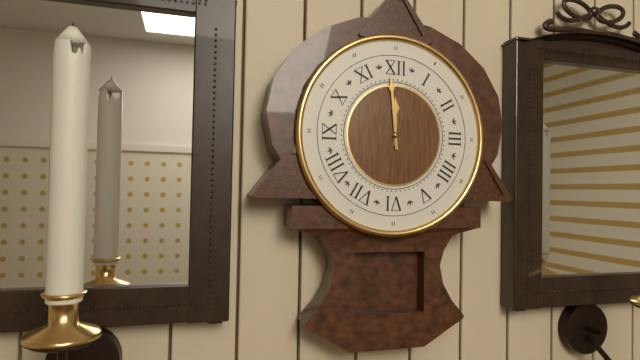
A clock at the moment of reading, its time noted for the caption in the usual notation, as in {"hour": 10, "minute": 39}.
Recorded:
{"hour": 11, "minute": 59}
